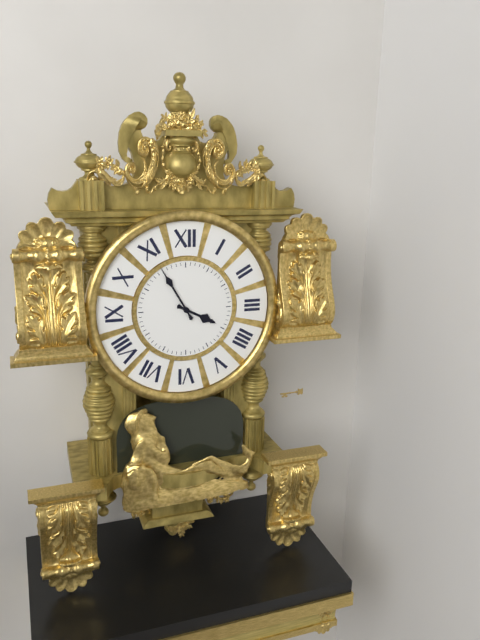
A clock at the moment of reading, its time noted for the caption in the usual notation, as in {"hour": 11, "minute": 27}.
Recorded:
{"hour": 3, "minute": 55}
